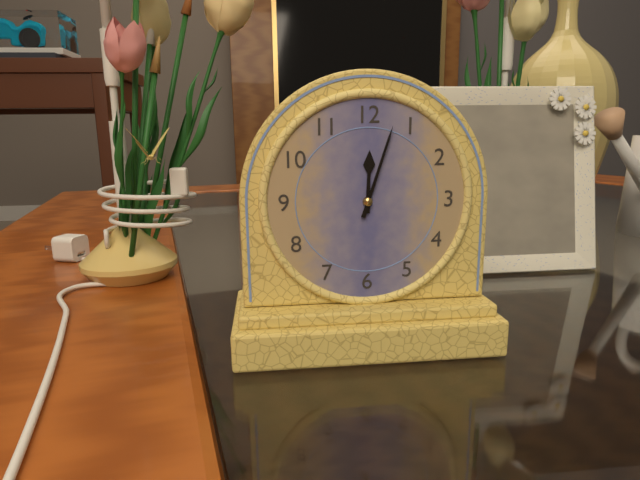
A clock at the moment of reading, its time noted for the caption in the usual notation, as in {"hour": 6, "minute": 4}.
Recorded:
{"hour": 12, "minute": 3}
